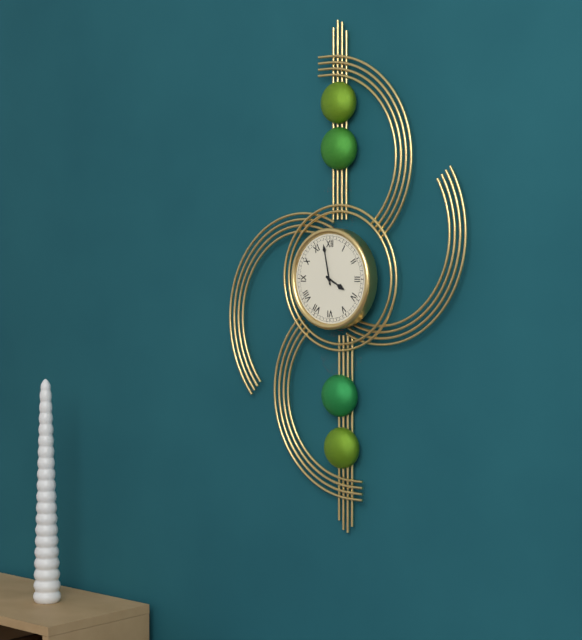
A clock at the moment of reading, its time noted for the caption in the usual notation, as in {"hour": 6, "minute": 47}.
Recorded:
{"hour": 3, "minute": 58}
